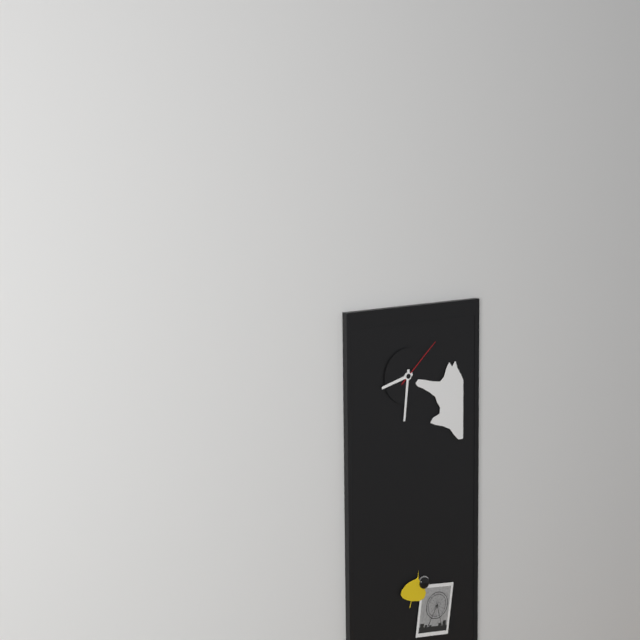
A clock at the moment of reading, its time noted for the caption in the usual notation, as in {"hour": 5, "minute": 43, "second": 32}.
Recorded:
{"hour": 8, "minute": 31, "second": 8}
